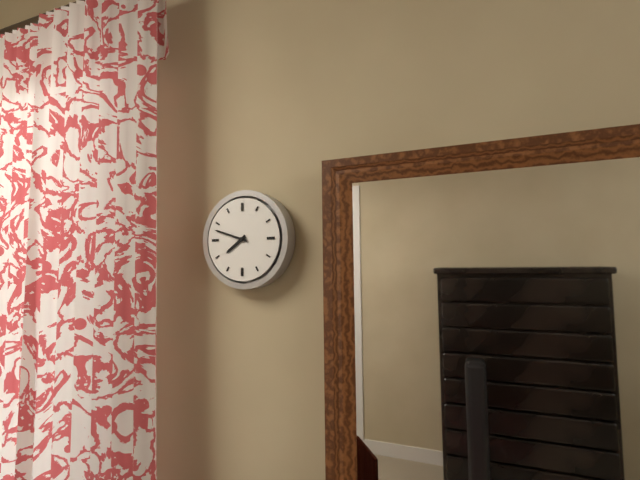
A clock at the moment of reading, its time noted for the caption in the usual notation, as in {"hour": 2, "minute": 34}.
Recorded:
{"hour": 7, "minute": 48}
